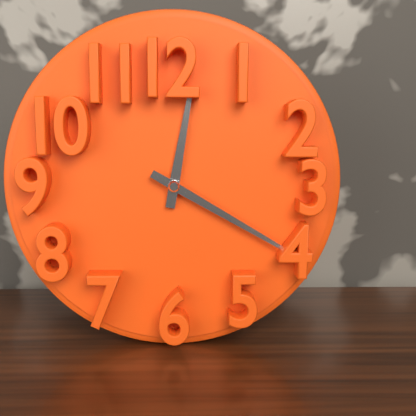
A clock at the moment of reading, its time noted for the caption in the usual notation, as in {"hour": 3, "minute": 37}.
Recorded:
{"hour": 12, "minute": 20}
